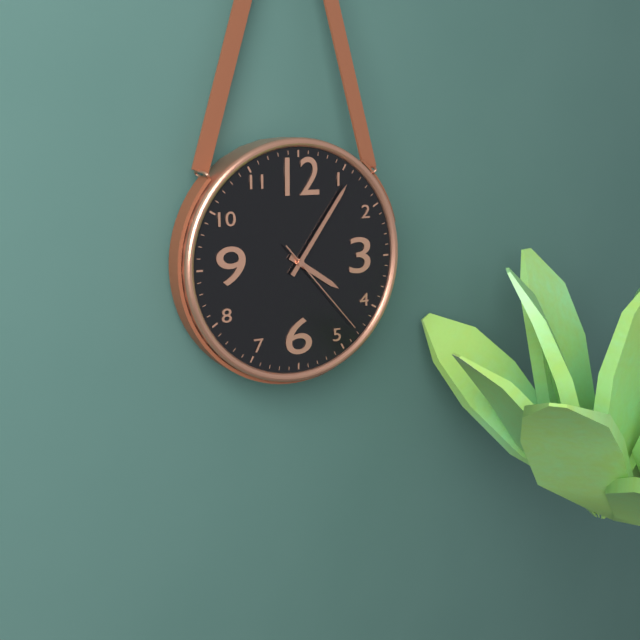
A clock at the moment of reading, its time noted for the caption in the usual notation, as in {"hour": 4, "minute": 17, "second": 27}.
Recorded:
{"hour": 4, "minute": 6, "second": 23}
